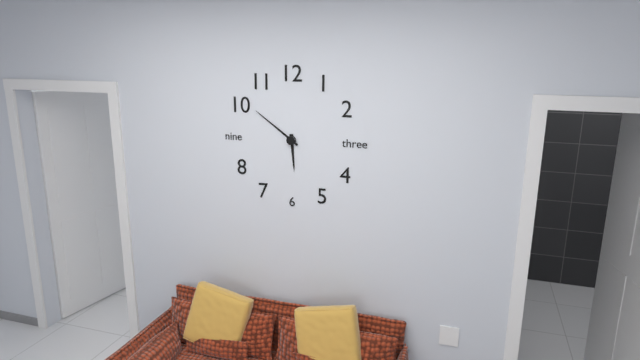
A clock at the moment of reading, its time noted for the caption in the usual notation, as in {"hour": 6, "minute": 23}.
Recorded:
{"hour": 5, "minute": 51}
